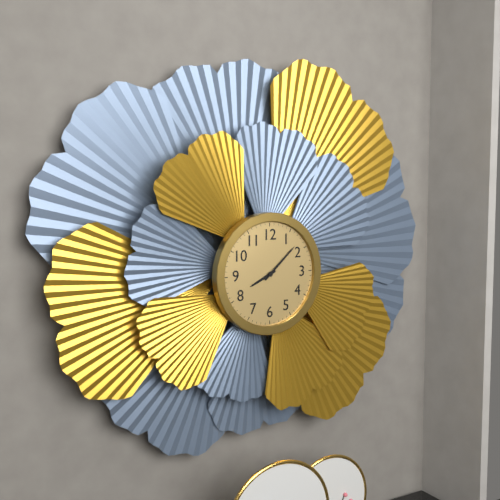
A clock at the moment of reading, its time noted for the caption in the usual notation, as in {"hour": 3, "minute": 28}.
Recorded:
{"hour": 8, "minute": 8}
